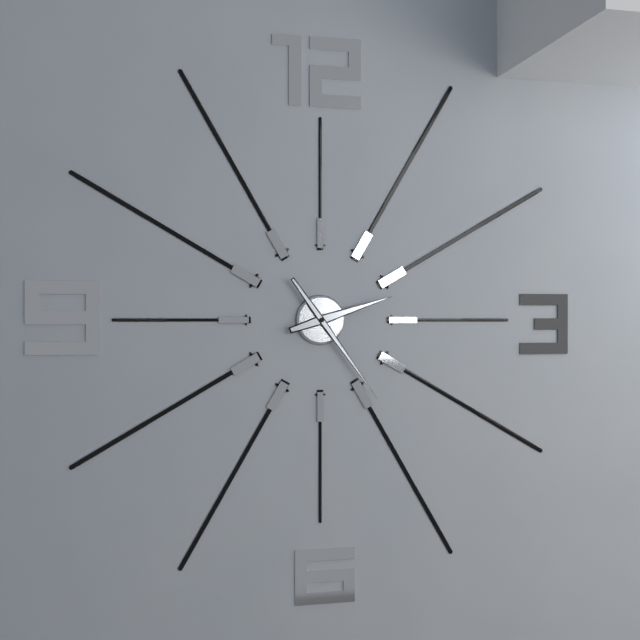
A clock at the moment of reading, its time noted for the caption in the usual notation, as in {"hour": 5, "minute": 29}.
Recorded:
{"hour": 2, "minute": 24}
